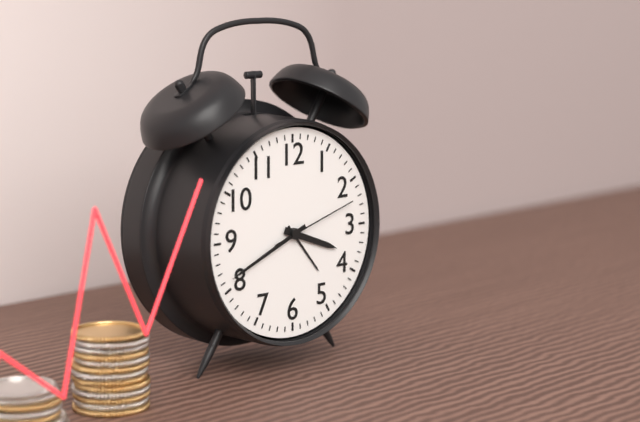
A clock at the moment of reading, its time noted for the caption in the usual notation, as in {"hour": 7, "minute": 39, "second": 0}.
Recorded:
{"hour": 3, "minute": 41, "second": 12}
